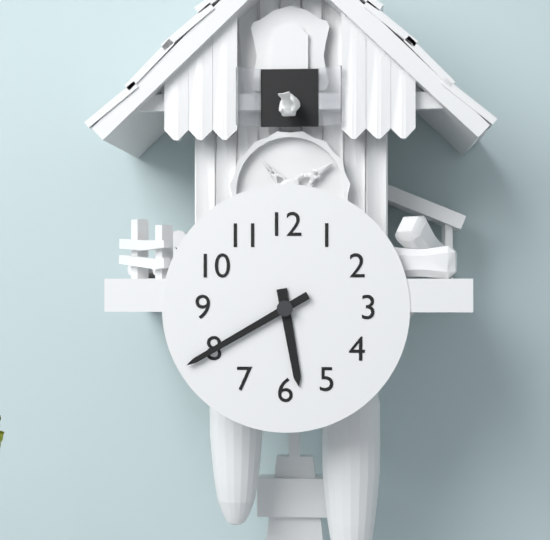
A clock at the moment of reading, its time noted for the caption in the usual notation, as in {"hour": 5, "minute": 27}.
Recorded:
{"hour": 5, "minute": 40}
